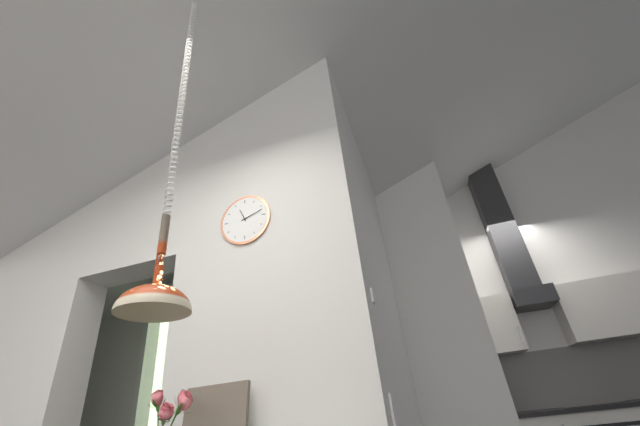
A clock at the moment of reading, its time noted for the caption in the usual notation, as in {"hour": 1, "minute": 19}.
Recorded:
{"hour": 11, "minute": 12}
